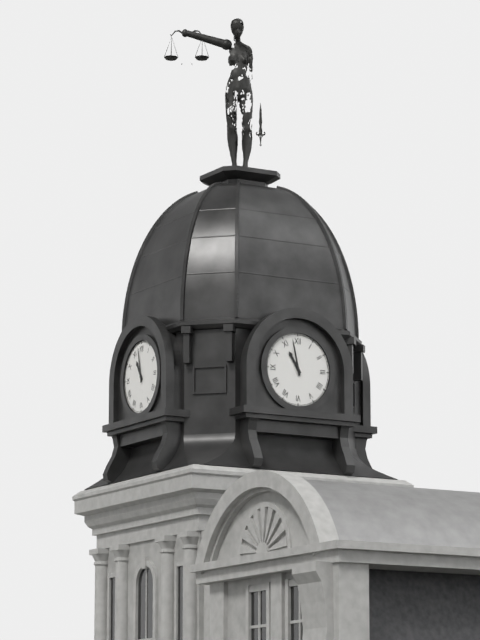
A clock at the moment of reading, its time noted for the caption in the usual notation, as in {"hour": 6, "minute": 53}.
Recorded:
{"hour": 10, "minute": 58}
